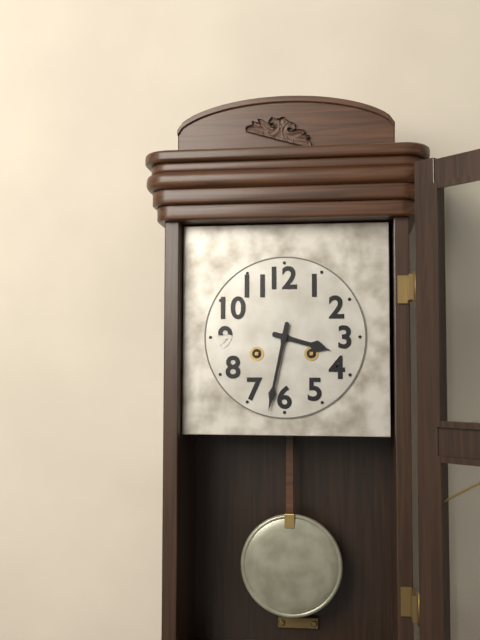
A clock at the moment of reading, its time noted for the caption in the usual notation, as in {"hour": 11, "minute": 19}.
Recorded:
{"hour": 3, "minute": 32}
